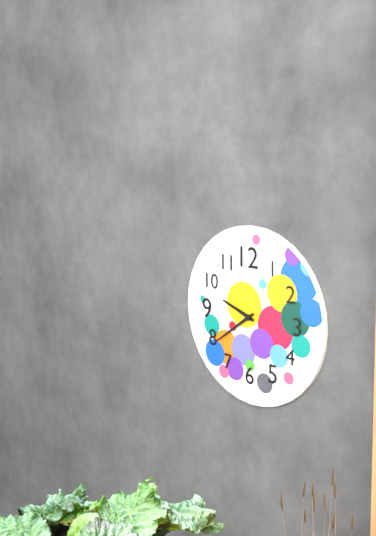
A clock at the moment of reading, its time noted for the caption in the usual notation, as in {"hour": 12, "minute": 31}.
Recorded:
{"hour": 9, "minute": 39}
